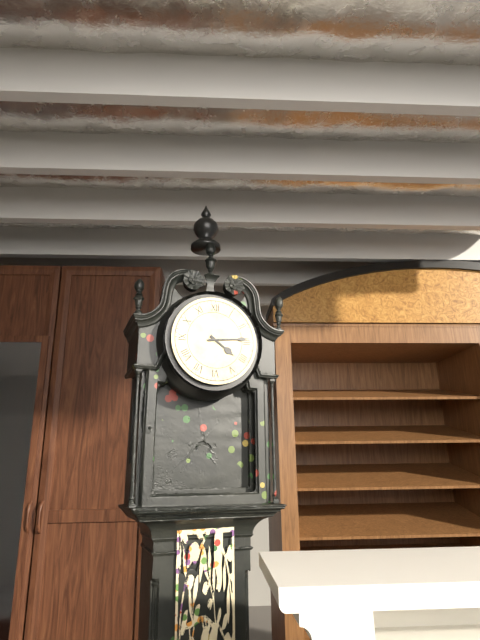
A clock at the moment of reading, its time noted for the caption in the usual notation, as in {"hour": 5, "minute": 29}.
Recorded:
{"hour": 4, "minute": 14}
